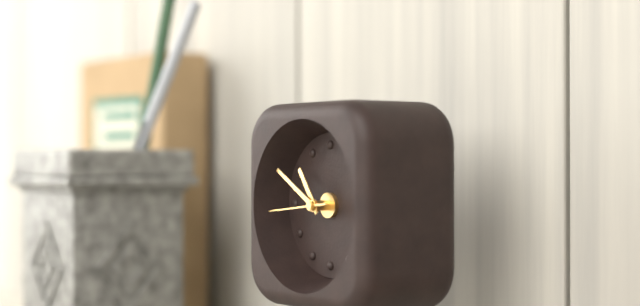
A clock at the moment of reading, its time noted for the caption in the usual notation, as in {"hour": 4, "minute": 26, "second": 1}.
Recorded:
{"hour": 10, "minute": 50, "second": 44}
